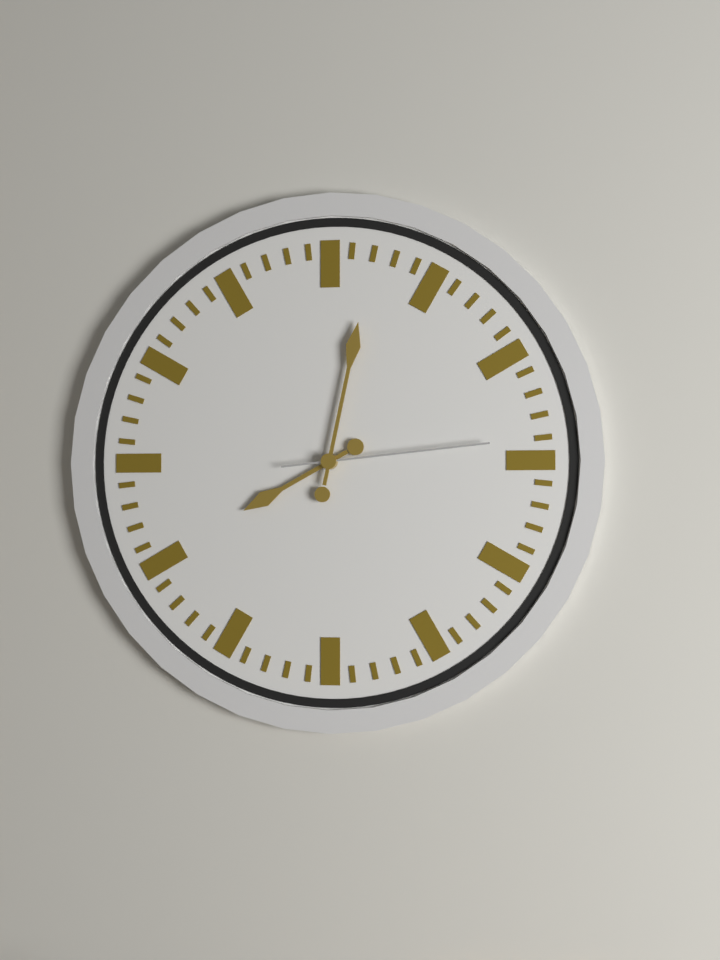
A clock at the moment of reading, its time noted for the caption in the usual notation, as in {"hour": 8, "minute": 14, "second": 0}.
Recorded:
{"hour": 8, "minute": 2, "second": 14}
